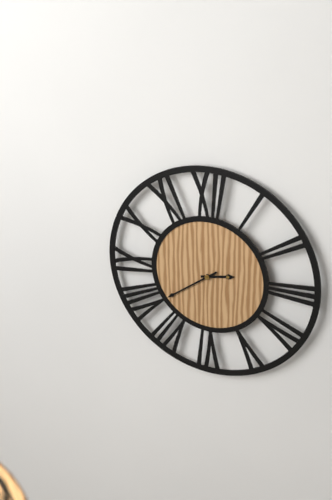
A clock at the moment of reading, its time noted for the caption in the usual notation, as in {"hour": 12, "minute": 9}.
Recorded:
{"hour": 2, "minute": 39}
